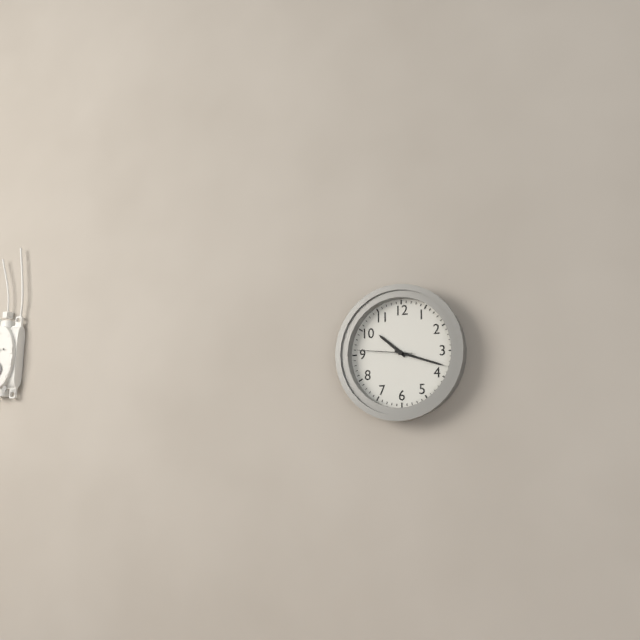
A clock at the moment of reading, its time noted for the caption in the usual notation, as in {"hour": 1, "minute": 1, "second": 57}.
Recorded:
{"hour": 10, "minute": 18, "second": 46}
